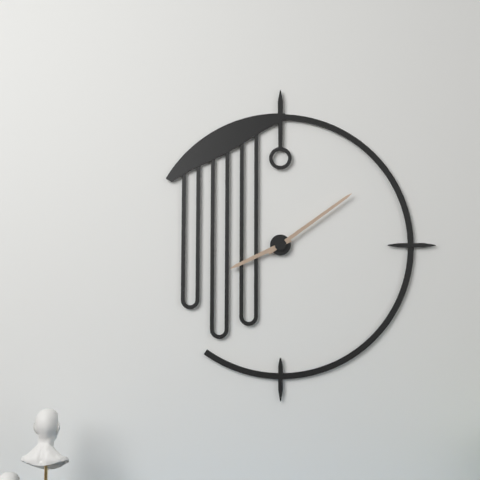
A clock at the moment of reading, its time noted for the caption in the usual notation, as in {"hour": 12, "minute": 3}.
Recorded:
{"hour": 8, "minute": 9}
